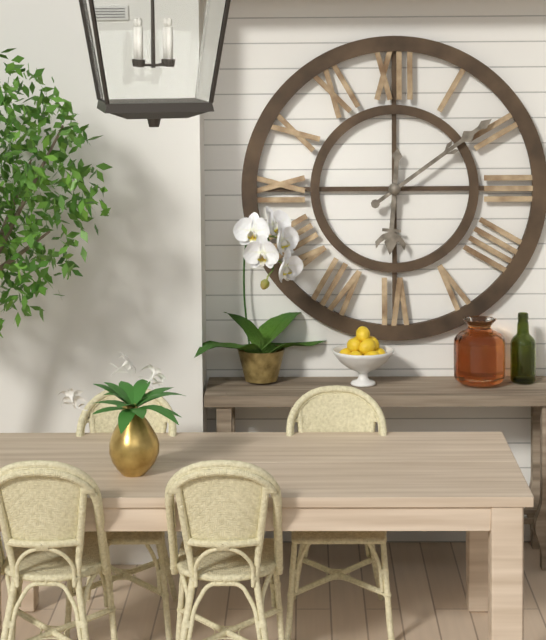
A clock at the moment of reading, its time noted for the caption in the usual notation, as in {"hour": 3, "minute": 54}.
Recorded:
{"hour": 6, "minute": 9}
